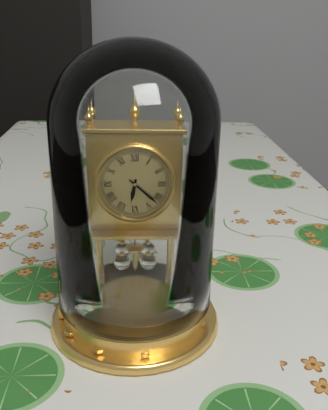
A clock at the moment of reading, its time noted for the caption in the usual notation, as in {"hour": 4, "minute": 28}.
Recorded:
{"hour": 6, "minute": 22}
